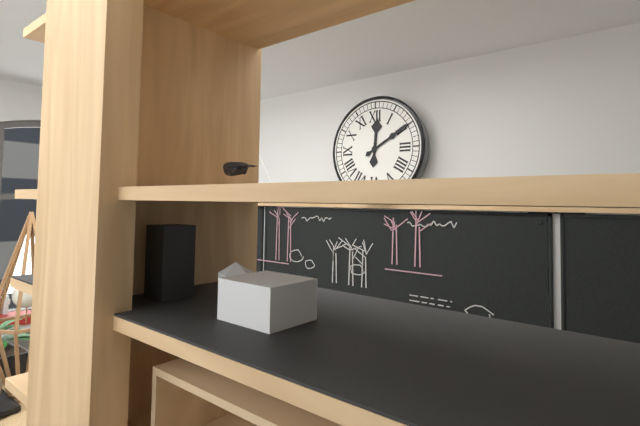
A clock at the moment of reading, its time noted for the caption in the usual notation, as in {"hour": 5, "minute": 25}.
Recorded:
{"hour": 12, "minute": 10}
